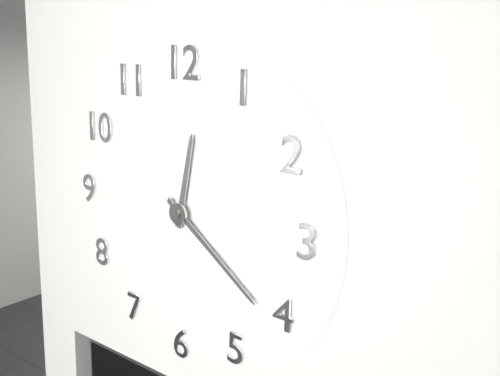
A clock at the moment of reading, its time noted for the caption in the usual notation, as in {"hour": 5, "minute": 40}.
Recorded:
{"hour": 12, "minute": 21}
